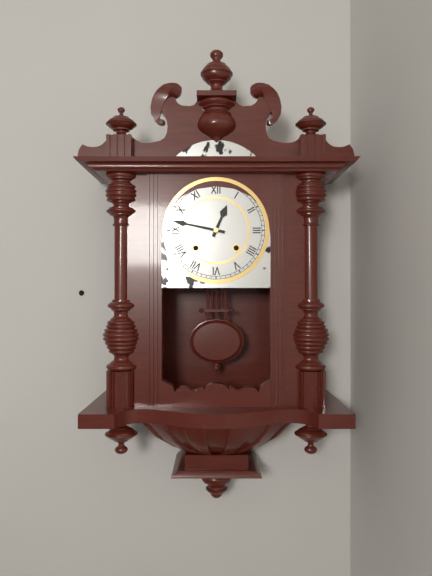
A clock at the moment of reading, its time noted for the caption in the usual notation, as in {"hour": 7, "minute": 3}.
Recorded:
{"hour": 12, "minute": 47}
